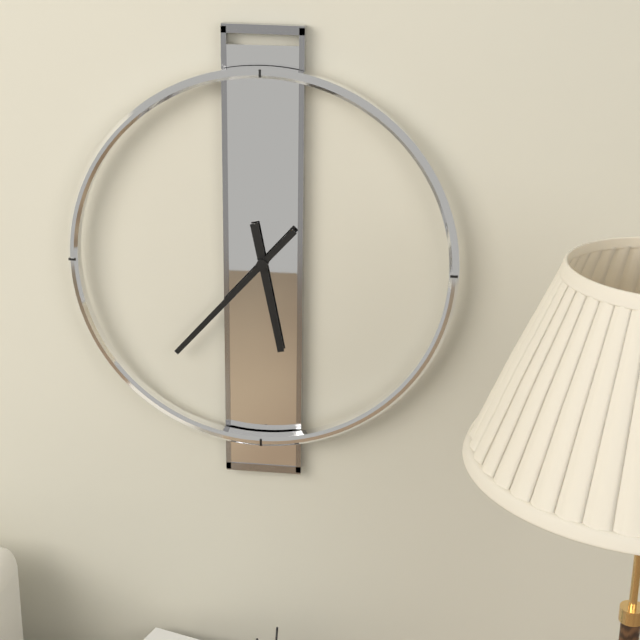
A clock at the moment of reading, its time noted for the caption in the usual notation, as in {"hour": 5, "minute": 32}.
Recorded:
{"hour": 5, "minute": 37}
